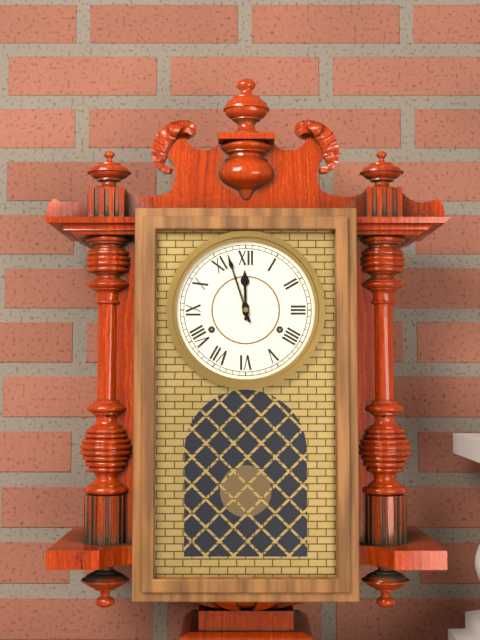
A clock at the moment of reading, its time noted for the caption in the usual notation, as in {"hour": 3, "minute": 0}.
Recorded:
{"hour": 11, "minute": 57}
